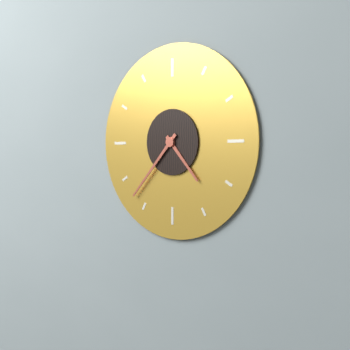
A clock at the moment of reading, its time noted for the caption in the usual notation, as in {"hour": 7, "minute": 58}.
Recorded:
{"hour": 4, "minute": 37}
